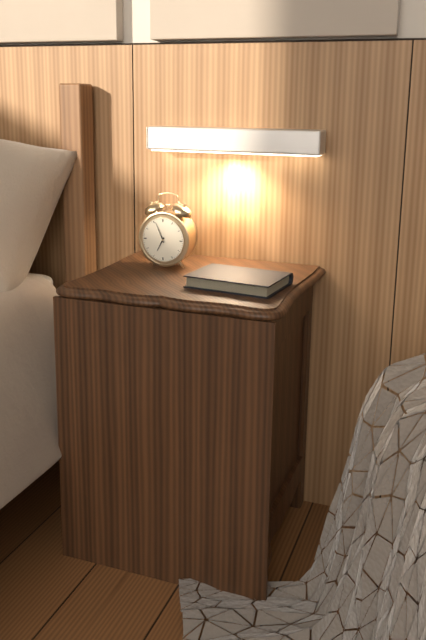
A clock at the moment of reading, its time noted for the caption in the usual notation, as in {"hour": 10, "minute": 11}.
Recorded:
{"hour": 6, "minute": 56}
